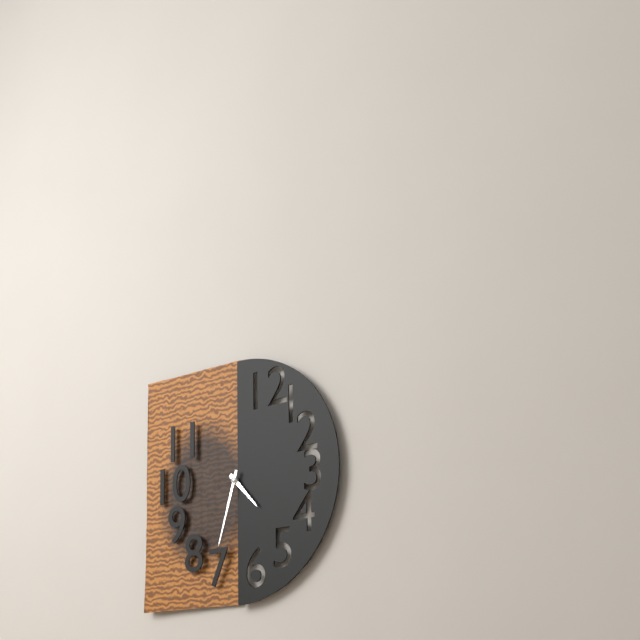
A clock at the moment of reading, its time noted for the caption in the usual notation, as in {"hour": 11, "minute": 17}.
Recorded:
{"hour": 4, "minute": 33}
